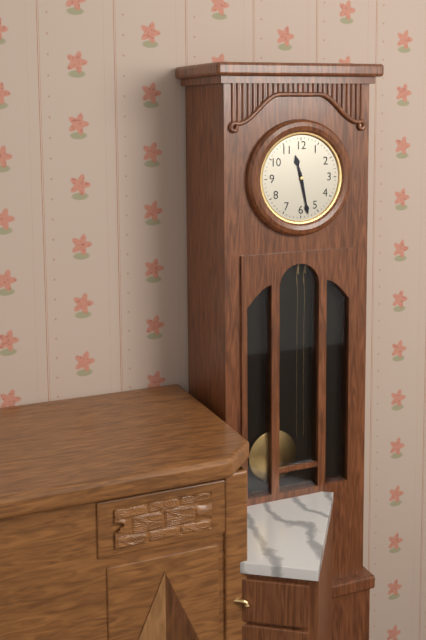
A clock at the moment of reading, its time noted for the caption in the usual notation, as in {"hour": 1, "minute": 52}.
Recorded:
{"hour": 11, "minute": 28}
